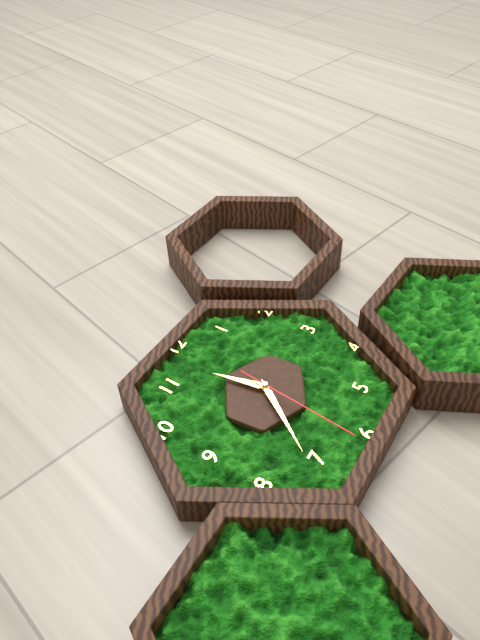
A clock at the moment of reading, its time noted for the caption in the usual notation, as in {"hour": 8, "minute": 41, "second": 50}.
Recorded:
{"hour": 11, "minute": 36, "second": 31}
